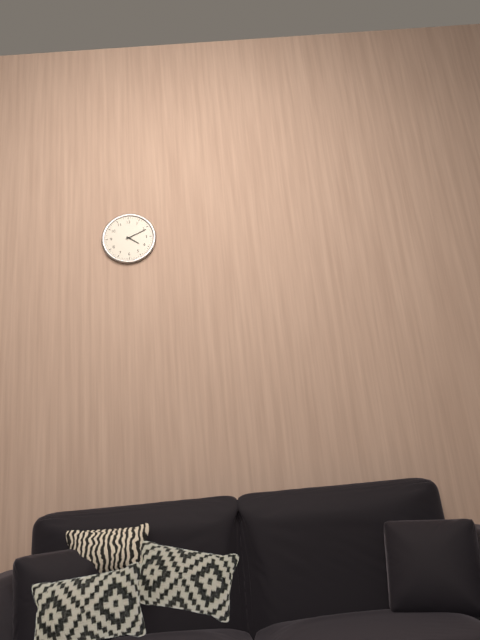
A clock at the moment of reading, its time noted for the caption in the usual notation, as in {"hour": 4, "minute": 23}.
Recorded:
{"hour": 4, "minute": 11}
